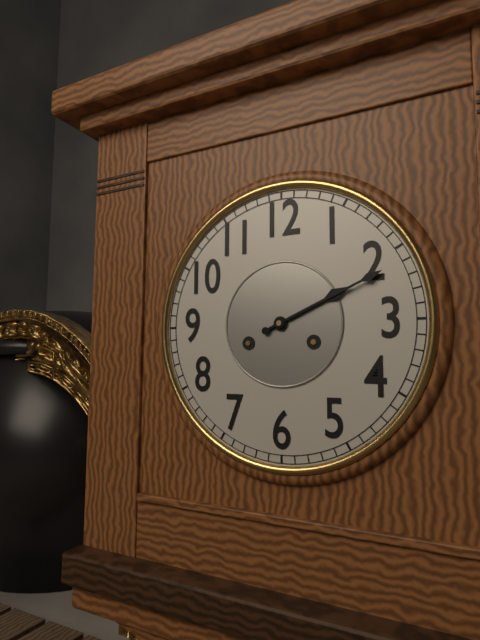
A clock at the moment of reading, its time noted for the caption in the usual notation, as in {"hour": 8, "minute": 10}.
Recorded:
{"hour": 2, "minute": 11}
